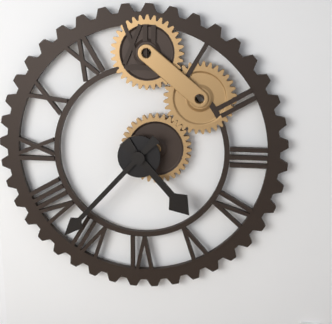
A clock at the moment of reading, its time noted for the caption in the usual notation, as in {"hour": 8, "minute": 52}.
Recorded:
{"hour": 4, "minute": 37}
